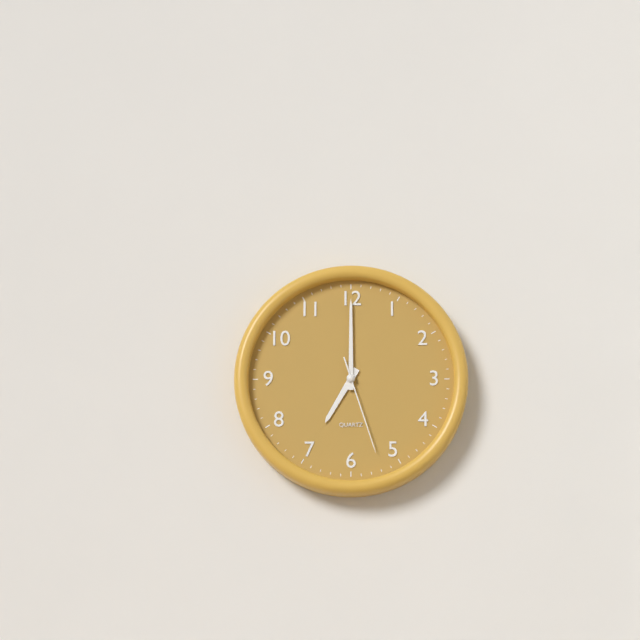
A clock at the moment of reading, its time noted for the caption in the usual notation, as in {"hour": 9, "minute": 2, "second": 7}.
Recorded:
{"hour": 7, "minute": 0, "second": 27}
